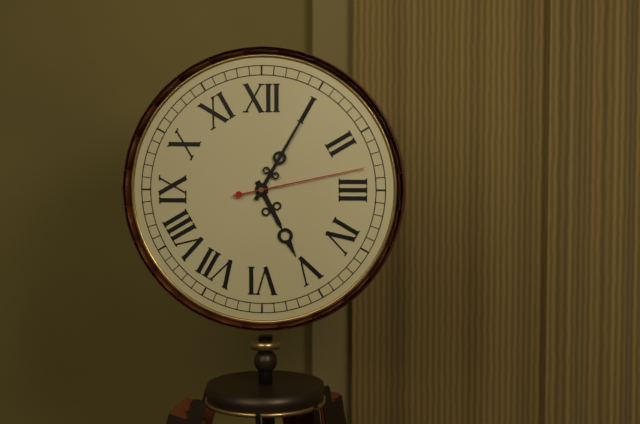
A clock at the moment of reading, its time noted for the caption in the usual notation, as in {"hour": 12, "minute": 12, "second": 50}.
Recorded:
{"hour": 5, "minute": 5, "second": 13}
